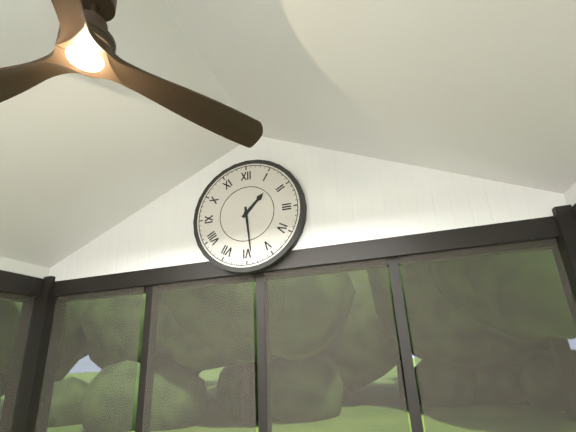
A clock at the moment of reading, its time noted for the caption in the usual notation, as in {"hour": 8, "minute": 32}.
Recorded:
{"hour": 1, "minute": 29}
